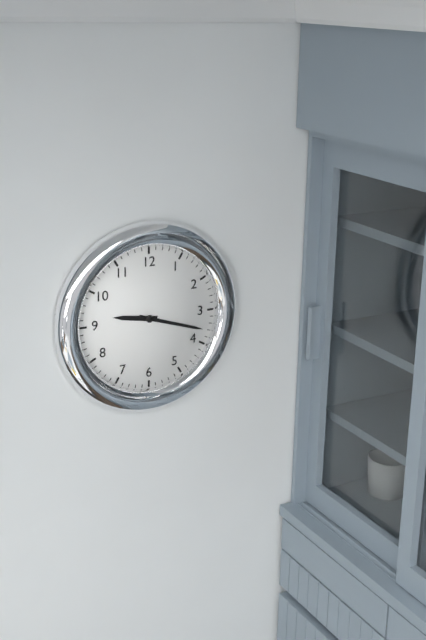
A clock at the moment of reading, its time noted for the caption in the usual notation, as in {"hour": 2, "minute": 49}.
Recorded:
{"hour": 9, "minute": 18}
